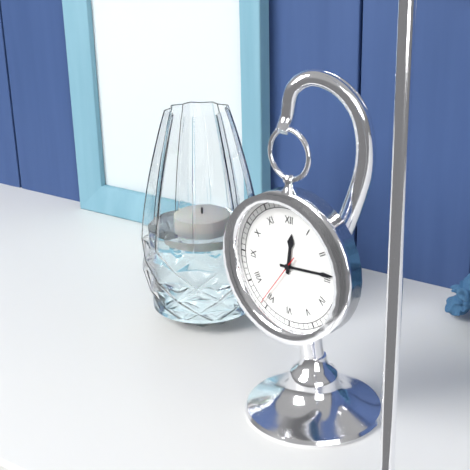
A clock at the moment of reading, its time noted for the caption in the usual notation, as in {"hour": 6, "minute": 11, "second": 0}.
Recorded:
{"hour": 12, "minute": 14, "second": 36}
